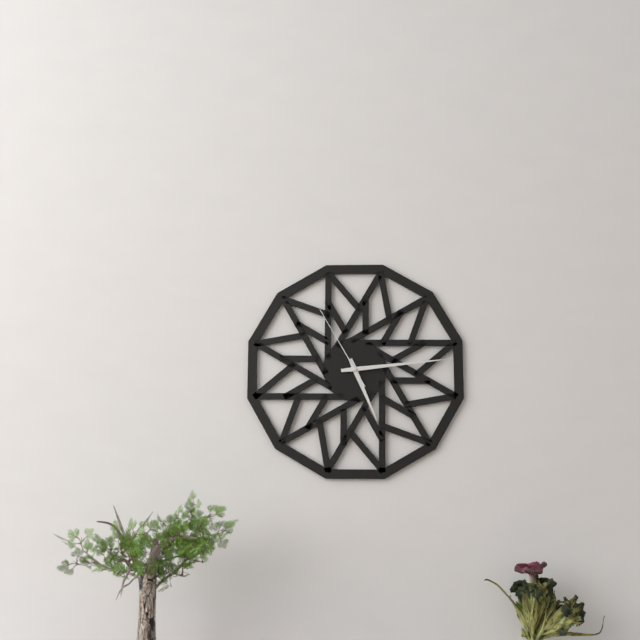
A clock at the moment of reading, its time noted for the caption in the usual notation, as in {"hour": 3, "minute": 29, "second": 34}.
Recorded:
{"hour": 5, "minute": 14, "second": 55}
